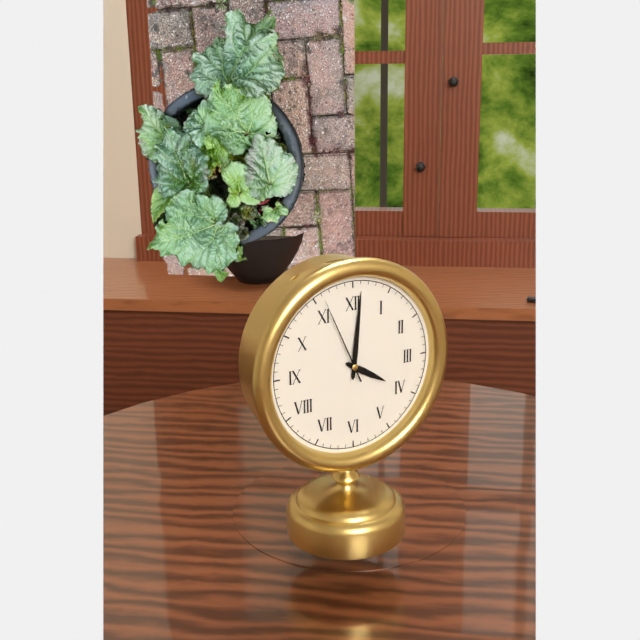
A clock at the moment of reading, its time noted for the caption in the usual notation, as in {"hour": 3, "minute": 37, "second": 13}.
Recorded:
{"hour": 4, "minute": 1, "second": 56}
